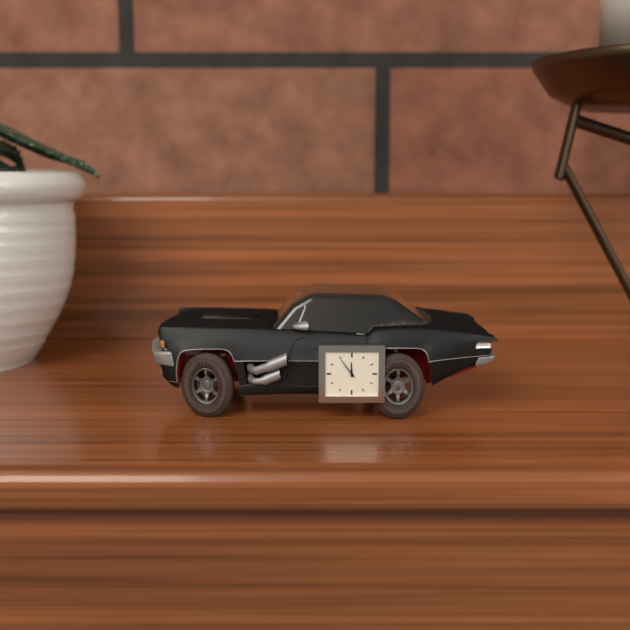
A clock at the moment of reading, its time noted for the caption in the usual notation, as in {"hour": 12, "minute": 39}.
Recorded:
{"hour": 11, "minute": 54}
